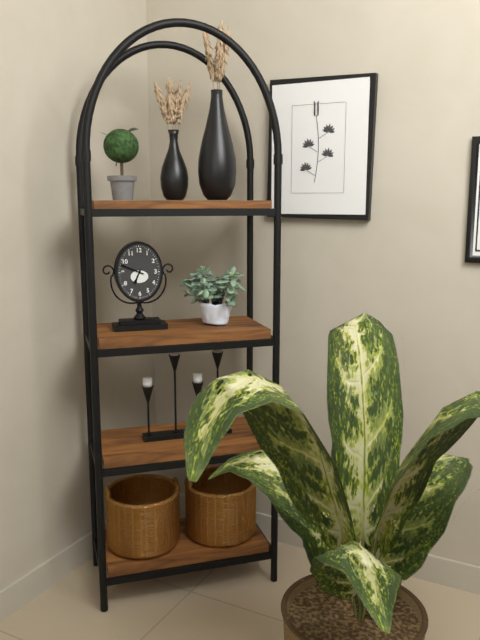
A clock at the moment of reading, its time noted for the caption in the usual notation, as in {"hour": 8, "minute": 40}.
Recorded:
{"hour": 6, "minute": 49}
